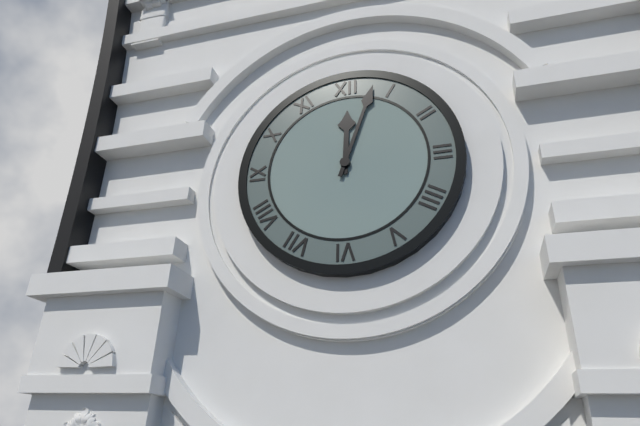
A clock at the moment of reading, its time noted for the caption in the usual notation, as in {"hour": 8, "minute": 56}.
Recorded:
{"hour": 12, "minute": 3}
